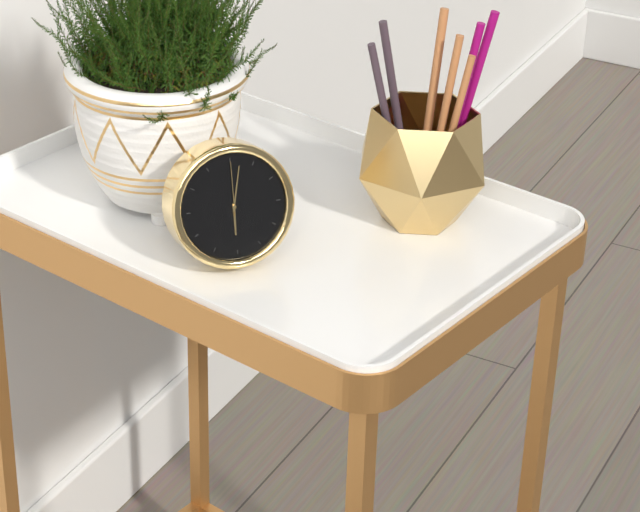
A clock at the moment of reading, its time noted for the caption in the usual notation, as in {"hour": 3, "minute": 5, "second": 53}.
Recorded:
{"hour": 6, "minute": 2, "second": 0}
